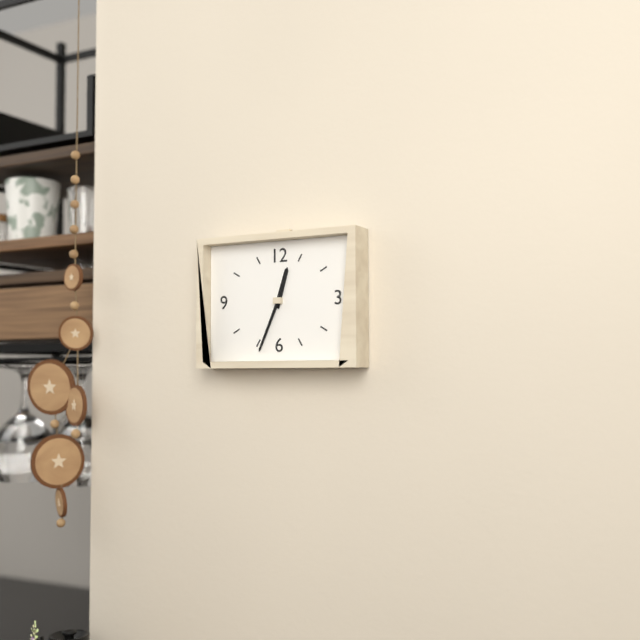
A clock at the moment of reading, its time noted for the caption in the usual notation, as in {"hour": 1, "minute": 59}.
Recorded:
{"hour": 12, "minute": 34}
